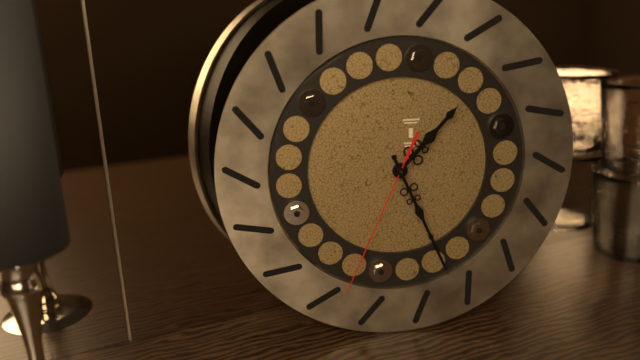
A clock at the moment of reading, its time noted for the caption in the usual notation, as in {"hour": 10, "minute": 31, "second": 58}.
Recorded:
{"hour": 1, "minute": 26, "second": 34}
